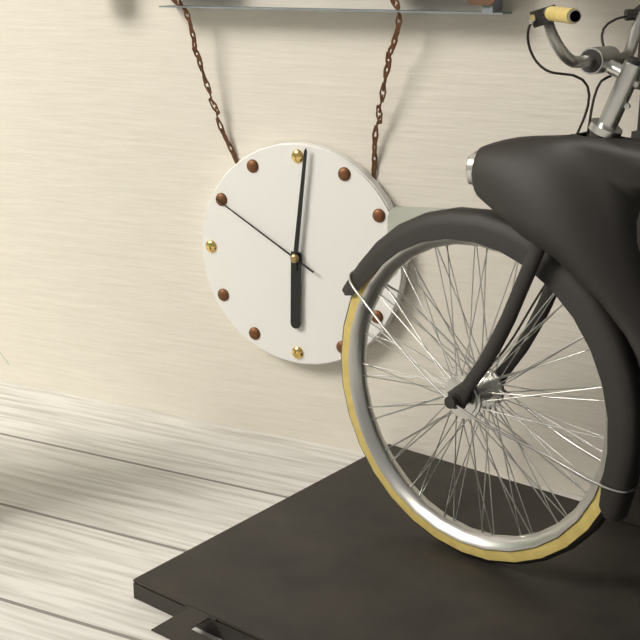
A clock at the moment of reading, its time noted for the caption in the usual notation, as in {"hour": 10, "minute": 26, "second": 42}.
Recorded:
{"hour": 6, "minute": 1, "second": 50}
